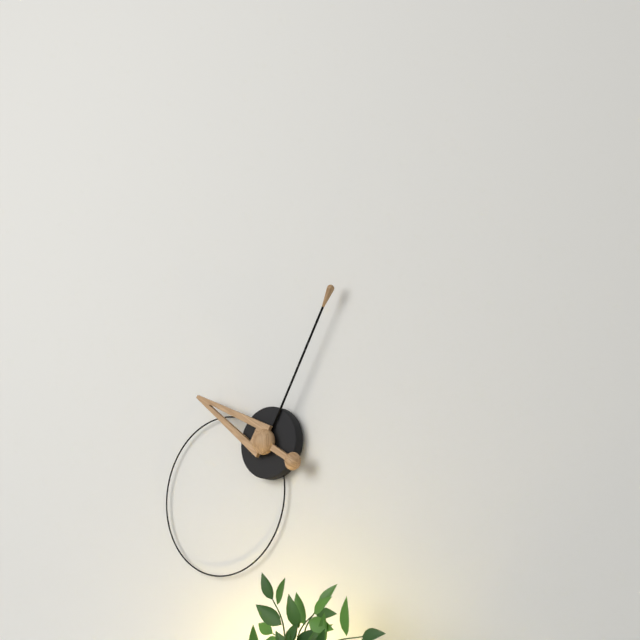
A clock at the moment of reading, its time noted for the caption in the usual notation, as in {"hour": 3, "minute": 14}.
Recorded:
{"hour": 10, "minute": 5}
